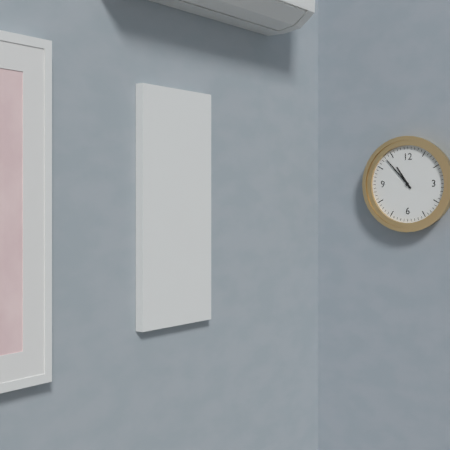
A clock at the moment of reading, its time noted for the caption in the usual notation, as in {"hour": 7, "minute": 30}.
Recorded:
{"hour": 10, "minute": 53}
